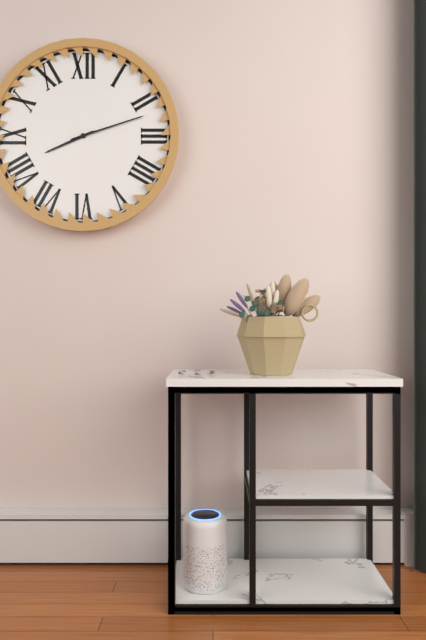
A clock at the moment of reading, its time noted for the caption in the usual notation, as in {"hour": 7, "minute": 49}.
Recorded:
{"hour": 8, "minute": 12}
